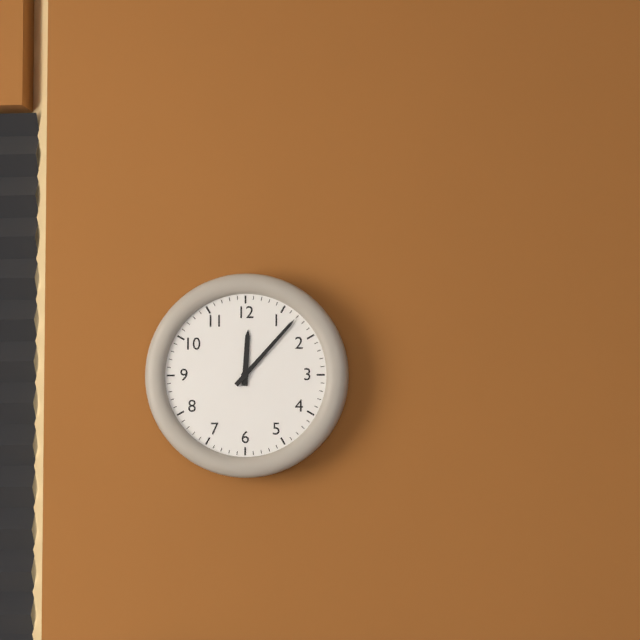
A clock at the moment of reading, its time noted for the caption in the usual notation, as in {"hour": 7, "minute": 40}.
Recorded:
{"hour": 12, "minute": 7}
